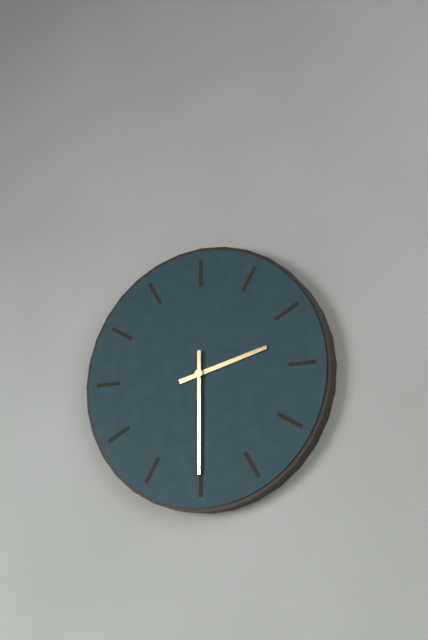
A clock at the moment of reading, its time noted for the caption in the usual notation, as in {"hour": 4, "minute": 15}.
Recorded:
{"hour": 2, "minute": 30}
